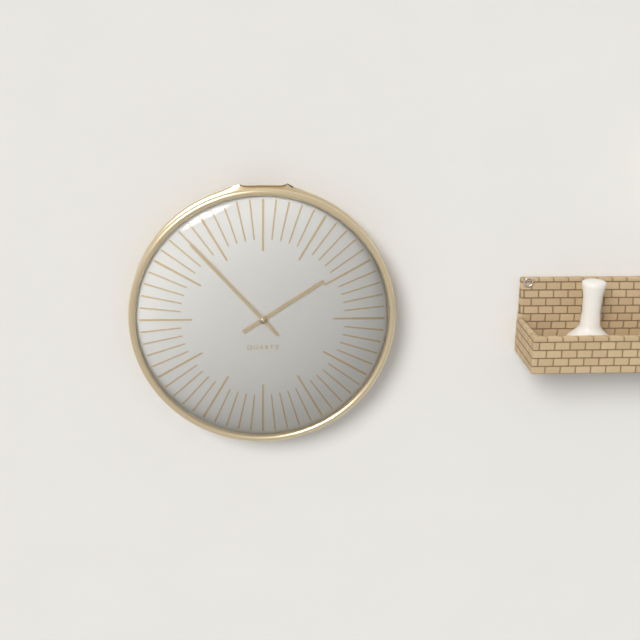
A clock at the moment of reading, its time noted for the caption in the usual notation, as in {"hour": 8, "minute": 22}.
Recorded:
{"hour": 1, "minute": 53}
